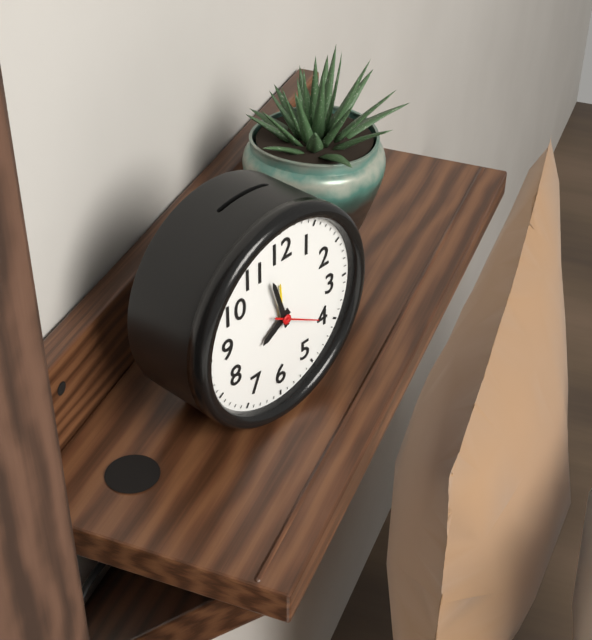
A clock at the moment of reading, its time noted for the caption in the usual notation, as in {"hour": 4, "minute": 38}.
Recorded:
{"hour": 7, "minute": 57}
